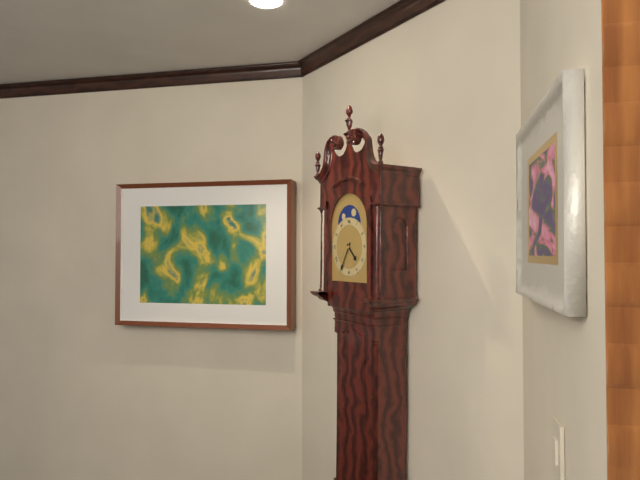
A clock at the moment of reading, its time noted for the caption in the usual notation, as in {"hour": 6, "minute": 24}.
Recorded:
{"hour": 4, "minute": 35}
